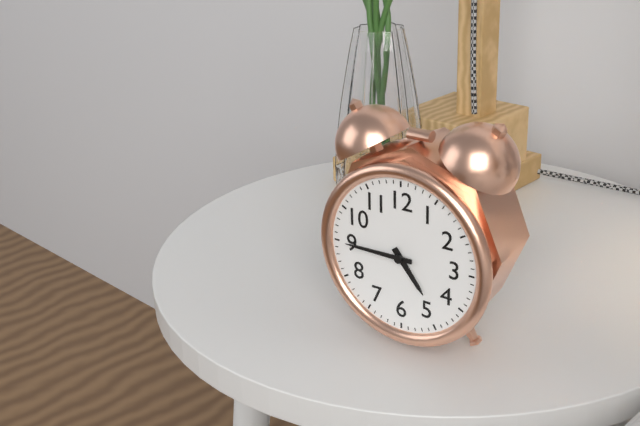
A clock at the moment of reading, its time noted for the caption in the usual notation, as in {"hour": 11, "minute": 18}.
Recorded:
{"hour": 4, "minute": 45}
